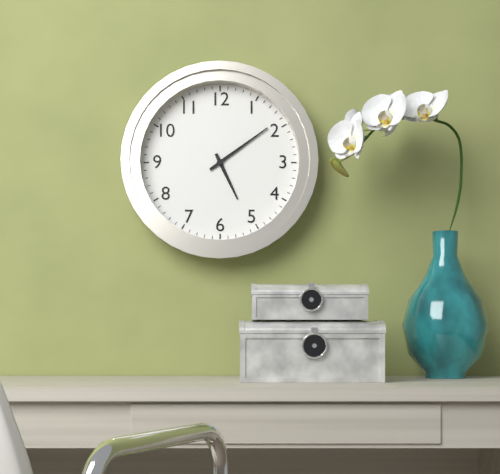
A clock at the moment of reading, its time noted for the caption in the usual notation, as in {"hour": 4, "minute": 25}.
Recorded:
{"hour": 5, "minute": 9}
